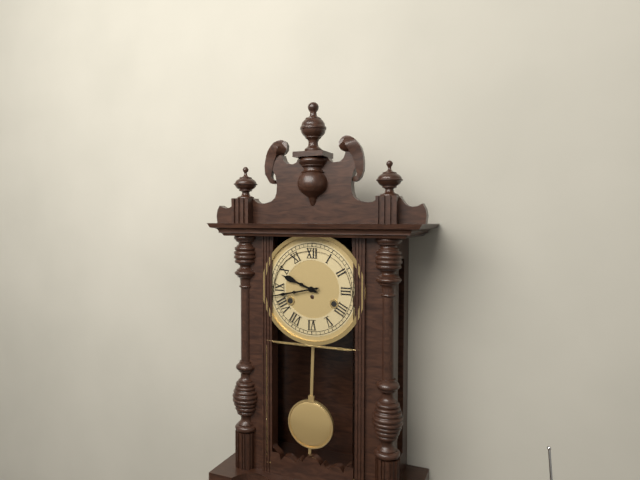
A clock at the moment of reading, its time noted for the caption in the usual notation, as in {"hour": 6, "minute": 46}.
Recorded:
{"hour": 9, "minute": 43}
